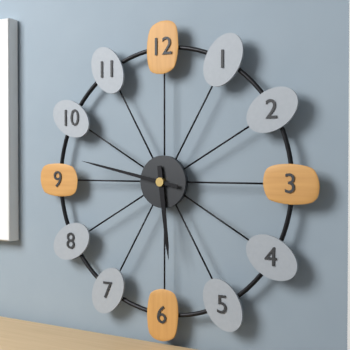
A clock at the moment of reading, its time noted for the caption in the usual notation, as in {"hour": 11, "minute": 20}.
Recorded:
{"hour": 5, "minute": 47}
